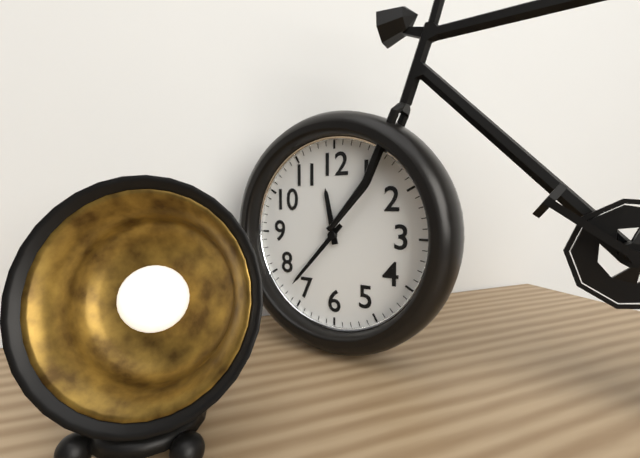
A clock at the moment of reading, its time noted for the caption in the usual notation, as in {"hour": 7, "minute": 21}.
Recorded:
{"hour": 11, "minute": 37}
